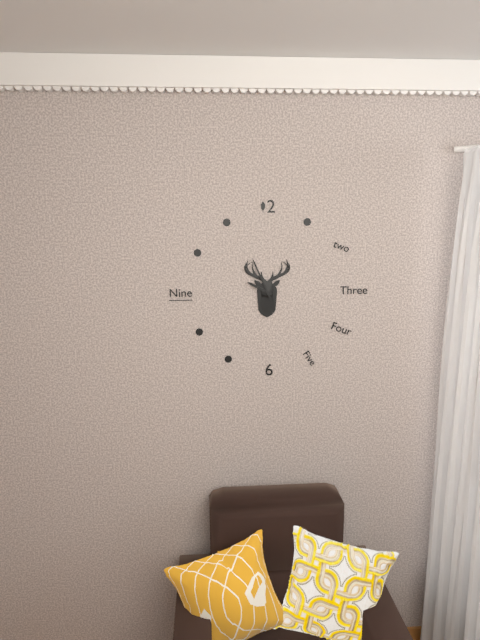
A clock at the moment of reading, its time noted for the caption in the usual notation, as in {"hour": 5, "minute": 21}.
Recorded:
{"hour": 9, "minute": 56}
